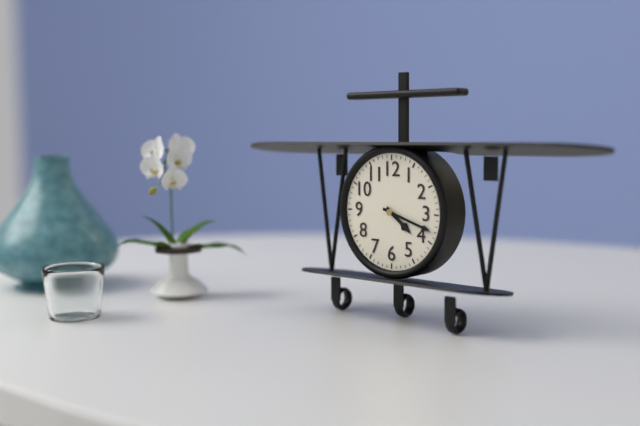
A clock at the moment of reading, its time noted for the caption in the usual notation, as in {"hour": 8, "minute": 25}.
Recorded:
{"hour": 4, "minute": 18}
